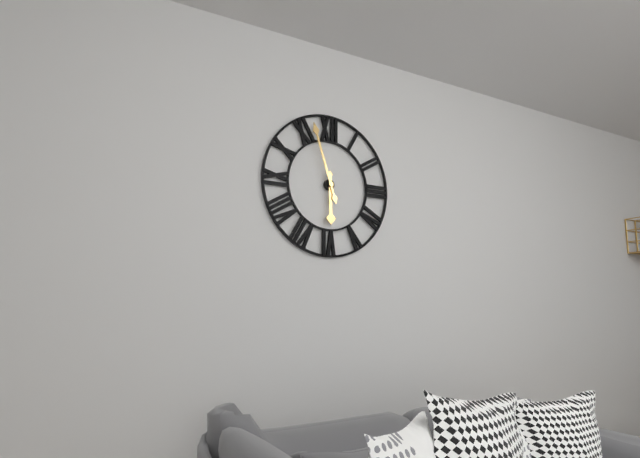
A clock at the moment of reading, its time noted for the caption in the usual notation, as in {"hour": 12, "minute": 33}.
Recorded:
{"hour": 5, "minute": 57}
